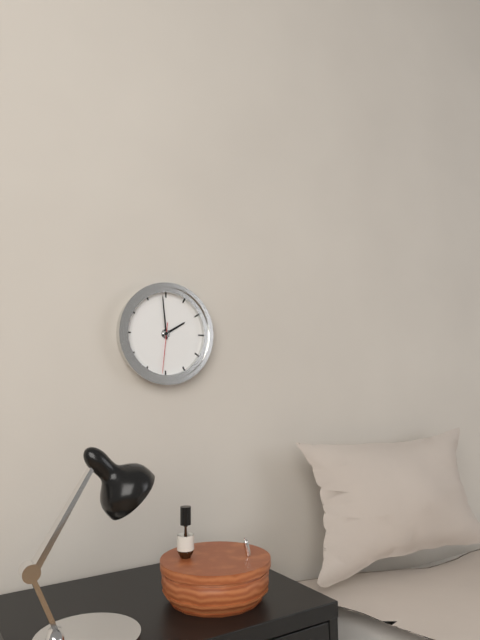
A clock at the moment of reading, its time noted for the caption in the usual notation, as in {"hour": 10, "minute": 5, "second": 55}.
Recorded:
{"hour": 1, "minute": 59, "second": 31}
